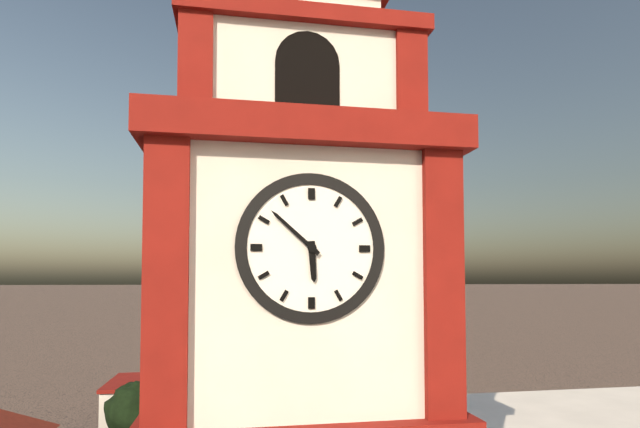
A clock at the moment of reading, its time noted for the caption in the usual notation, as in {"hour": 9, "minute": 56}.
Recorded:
{"hour": 5, "minute": 52}
